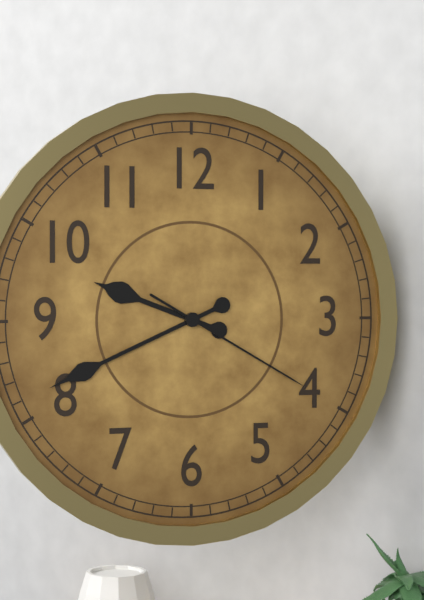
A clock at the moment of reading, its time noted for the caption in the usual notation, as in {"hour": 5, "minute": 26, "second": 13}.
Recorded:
{"hour": 9, "minute": 41, "second": 20}
